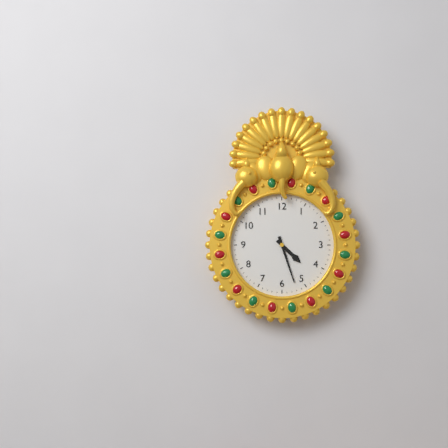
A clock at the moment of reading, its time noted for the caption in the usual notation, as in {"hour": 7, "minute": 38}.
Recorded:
{"hour": 4, "minute": 27}
